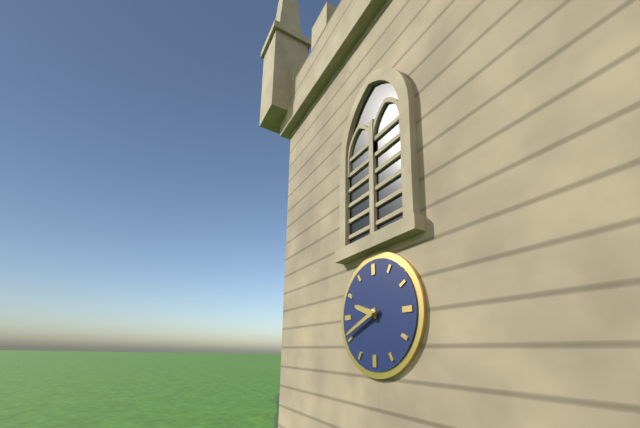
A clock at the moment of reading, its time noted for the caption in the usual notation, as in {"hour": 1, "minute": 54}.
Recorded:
{"hour": 9, "minute": 41}
